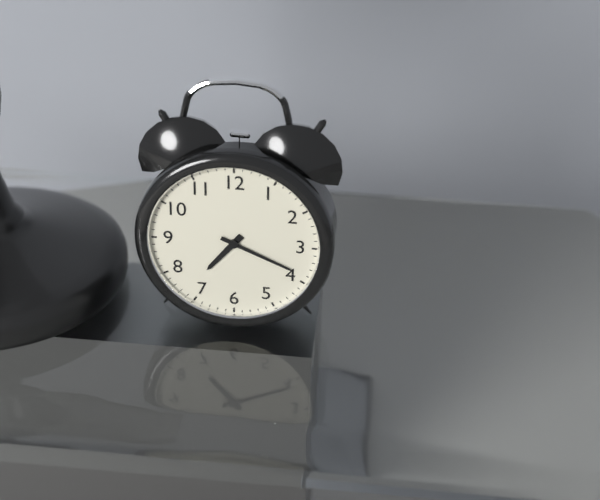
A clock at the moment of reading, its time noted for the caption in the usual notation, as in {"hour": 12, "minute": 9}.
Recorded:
{"hour": 7, "minute": 19}
